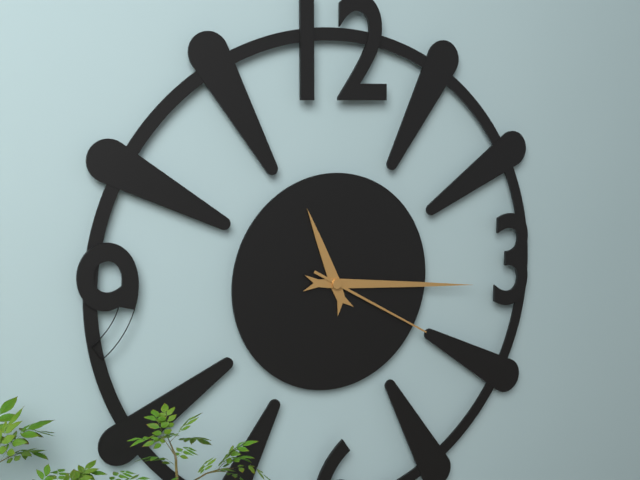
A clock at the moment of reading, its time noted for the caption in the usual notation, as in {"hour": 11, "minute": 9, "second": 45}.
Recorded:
{"hour": 11, "minute": 16, "second": 20}
